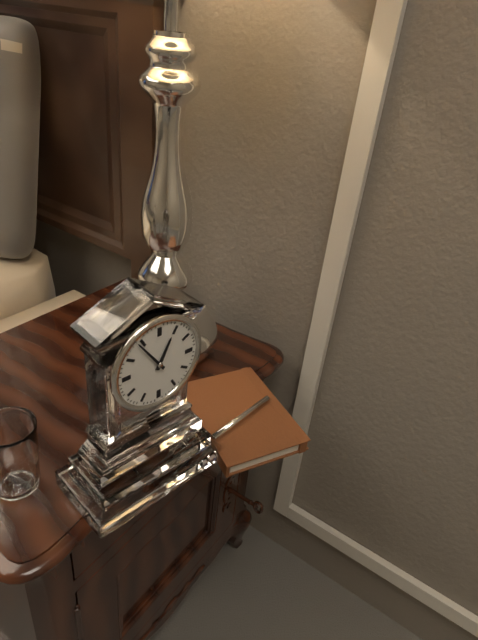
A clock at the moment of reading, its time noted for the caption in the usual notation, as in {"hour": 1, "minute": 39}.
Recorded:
{"hour": 12, "minute": 54}
